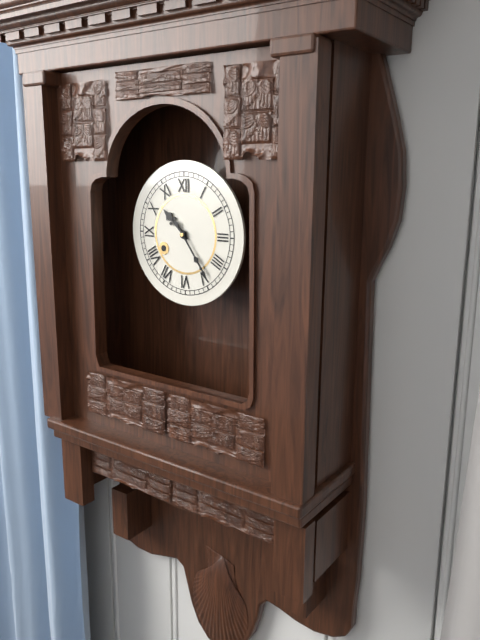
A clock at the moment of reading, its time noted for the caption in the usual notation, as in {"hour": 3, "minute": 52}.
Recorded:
{"hour": 10, "minute": 24}
